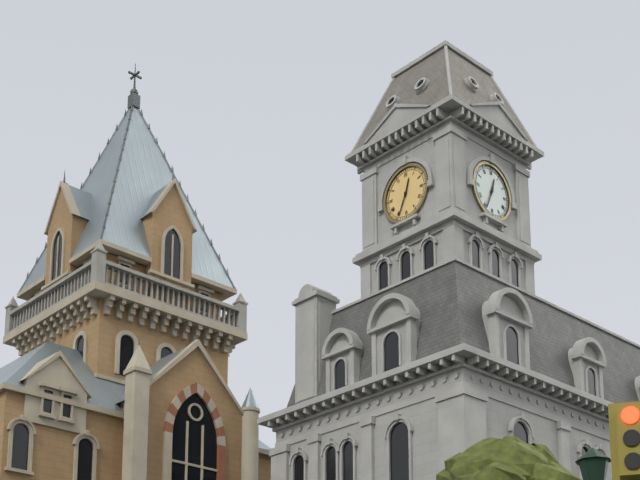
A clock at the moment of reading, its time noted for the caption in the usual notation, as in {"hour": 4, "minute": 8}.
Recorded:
{"hour": 12, "minute": 34}
